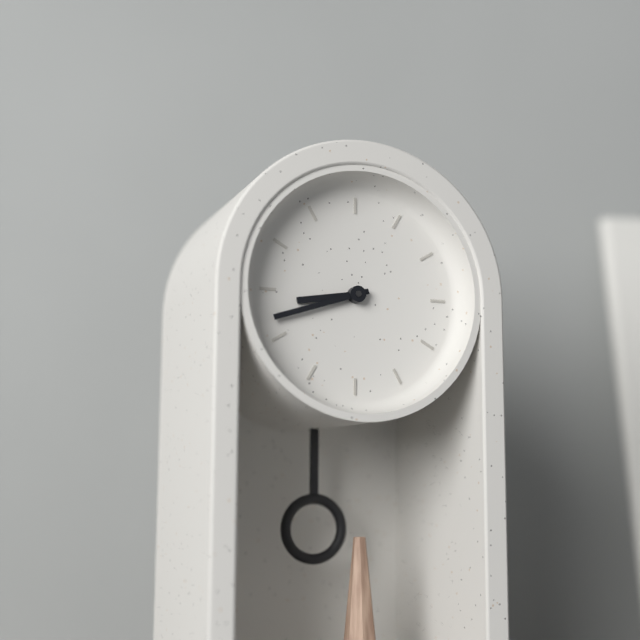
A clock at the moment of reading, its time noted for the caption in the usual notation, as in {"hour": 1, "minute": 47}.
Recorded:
{"hour": 8, "minute": 42}
